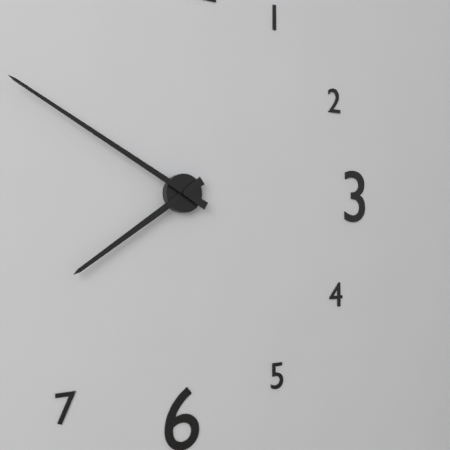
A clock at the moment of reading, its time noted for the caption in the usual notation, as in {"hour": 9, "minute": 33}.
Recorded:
{"hour": 7, "minute": 50}
